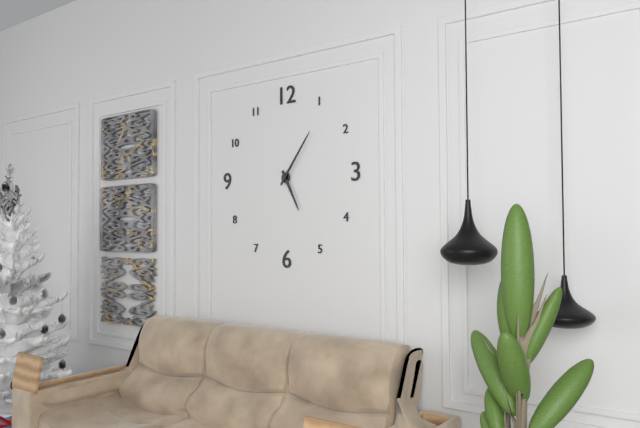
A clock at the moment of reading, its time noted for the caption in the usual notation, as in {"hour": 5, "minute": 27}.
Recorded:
{"hour": 5, "minute": 6}
